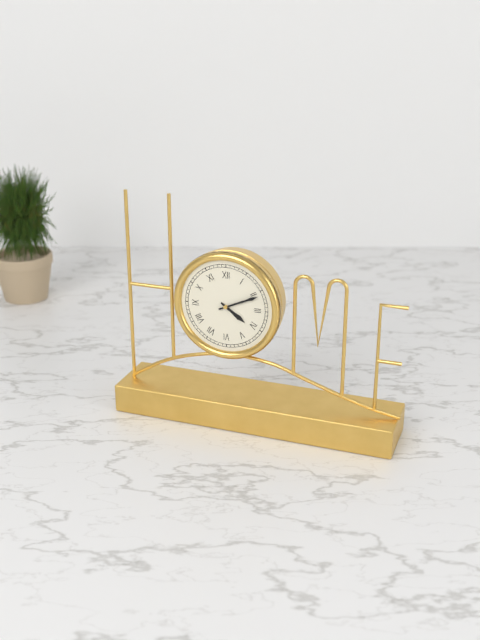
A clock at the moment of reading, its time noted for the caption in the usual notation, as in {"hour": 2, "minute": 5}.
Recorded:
{"hour": 4, "minute": 11}
